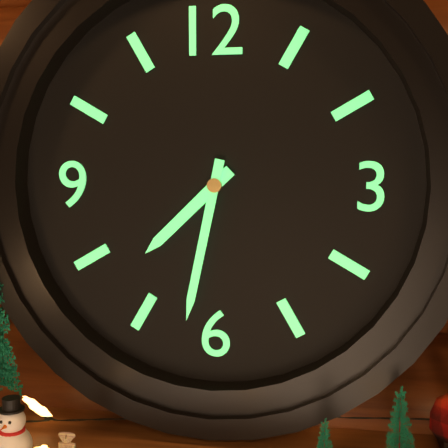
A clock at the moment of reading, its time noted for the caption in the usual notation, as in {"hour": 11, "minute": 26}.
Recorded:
{"hour": 7, "minute": 32}
